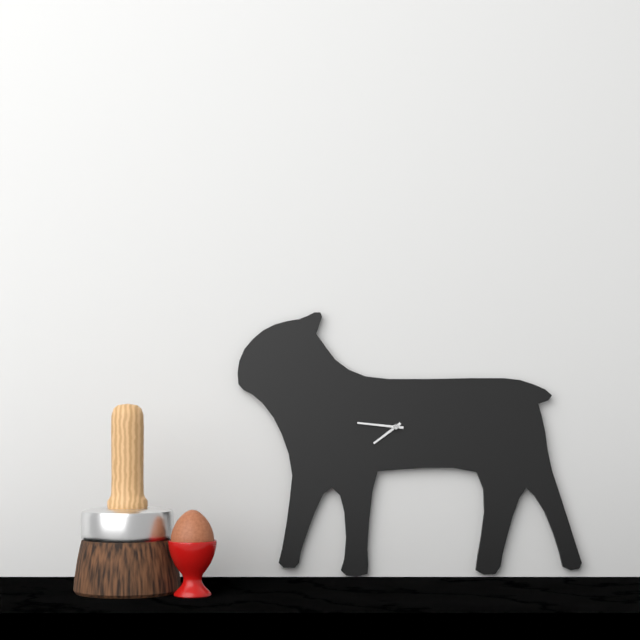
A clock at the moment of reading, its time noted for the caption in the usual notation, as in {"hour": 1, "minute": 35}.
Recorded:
{"hour": 7, "minute": 46}
